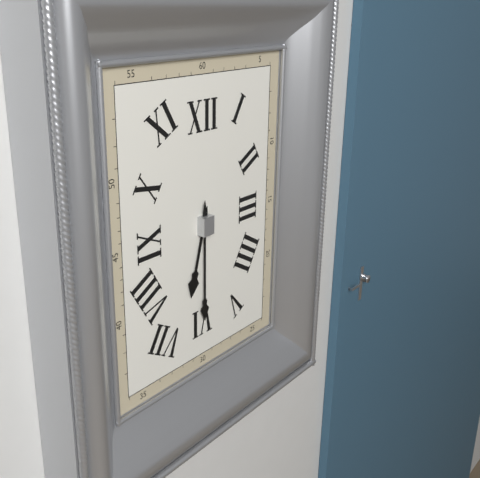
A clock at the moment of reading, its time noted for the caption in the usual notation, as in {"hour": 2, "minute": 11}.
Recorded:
{"hour": 6, "minute": 30}
